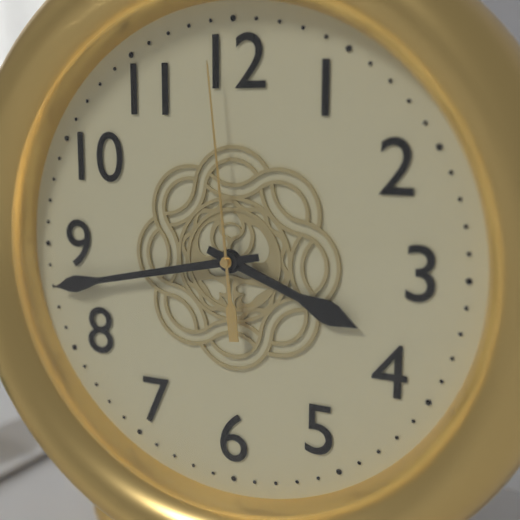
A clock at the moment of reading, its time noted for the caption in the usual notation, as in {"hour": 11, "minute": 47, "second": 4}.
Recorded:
{"hour": 3, "minute": 43, "second": 59}
